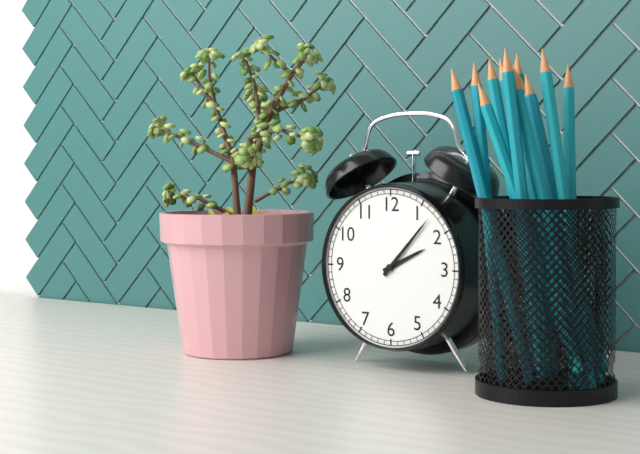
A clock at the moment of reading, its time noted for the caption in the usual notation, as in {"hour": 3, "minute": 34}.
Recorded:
{"hour": 2, "minute": 7}
